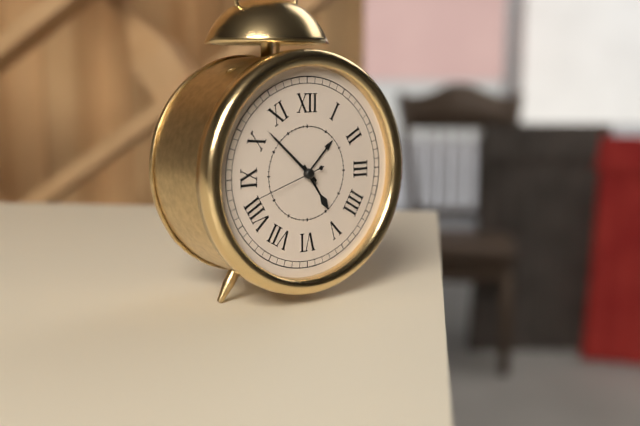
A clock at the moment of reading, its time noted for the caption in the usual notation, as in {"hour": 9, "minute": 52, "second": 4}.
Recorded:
{"hour": 4, "minute": 52, "second": 42}
